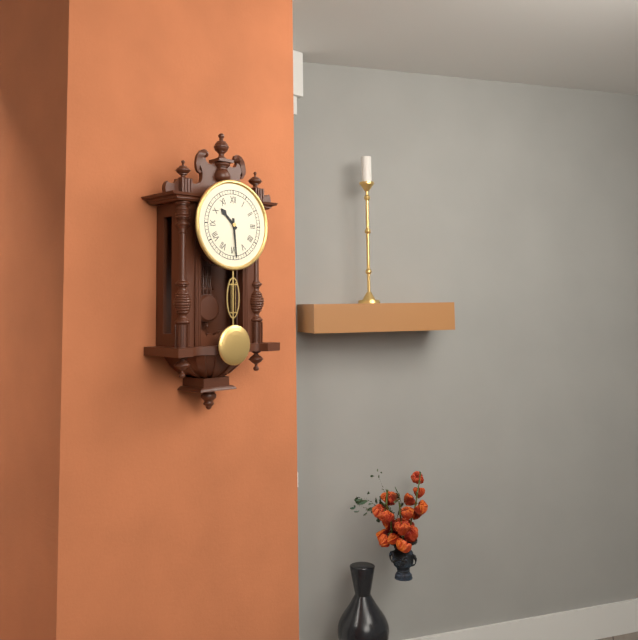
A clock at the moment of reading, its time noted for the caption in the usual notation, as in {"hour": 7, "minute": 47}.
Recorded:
{"hour": 10, "minute": 29}
